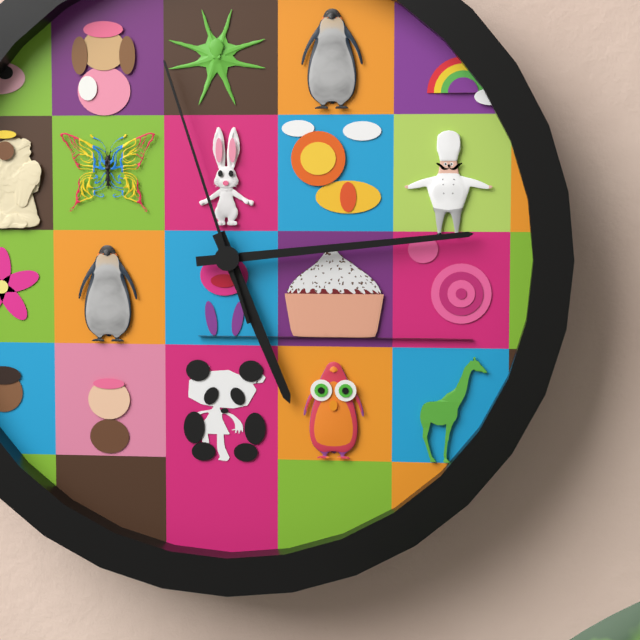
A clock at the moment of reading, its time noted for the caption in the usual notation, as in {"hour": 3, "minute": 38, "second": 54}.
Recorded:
{"hour": 5, "minute": 14, "second": 57}
